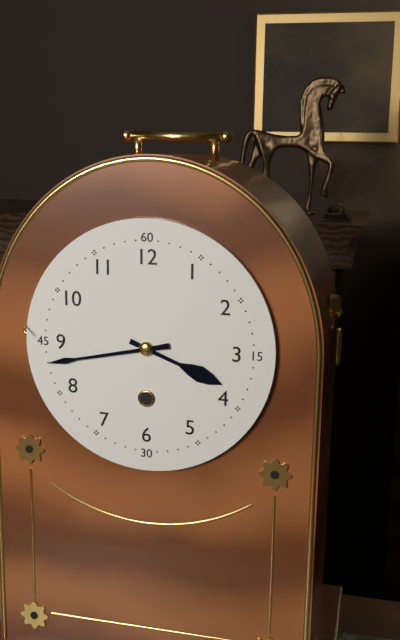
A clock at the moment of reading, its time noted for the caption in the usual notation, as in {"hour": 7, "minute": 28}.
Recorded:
{"hour": 3, "minute": 43}
